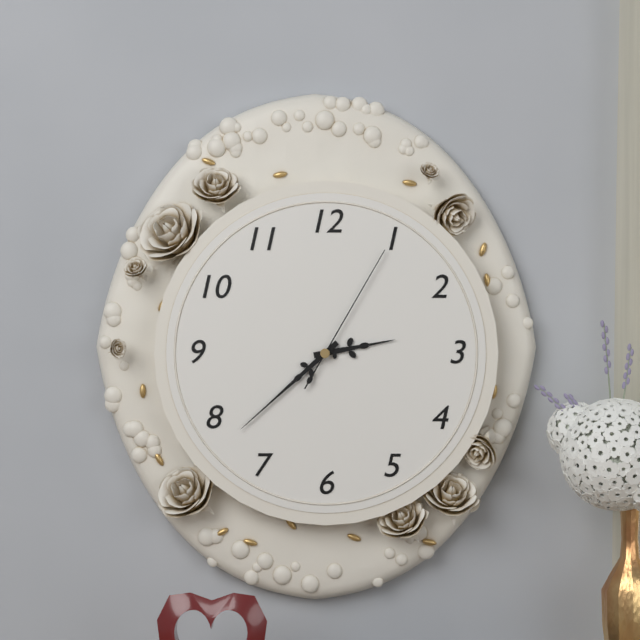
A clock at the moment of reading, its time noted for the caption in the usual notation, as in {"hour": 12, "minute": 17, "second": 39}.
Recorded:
{"hour": 2, "minute": 38, "second": 5}
